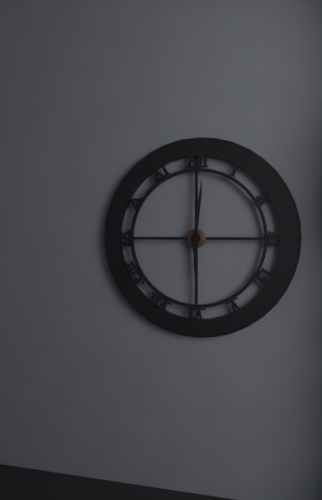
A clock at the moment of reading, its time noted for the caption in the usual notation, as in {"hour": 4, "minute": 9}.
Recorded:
{"hour": 6, "minute": 1}
